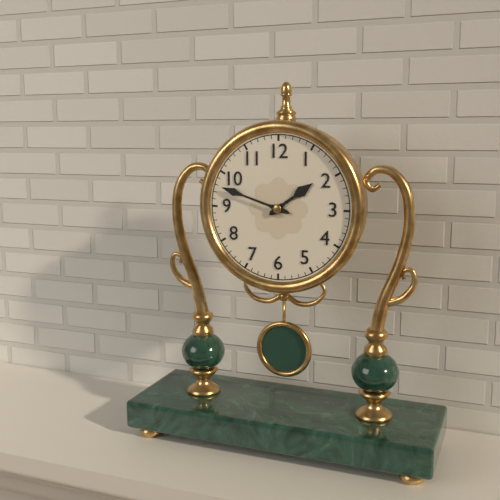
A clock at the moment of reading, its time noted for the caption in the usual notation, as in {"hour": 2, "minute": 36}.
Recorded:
{"hour": 1, "minute": 48}
